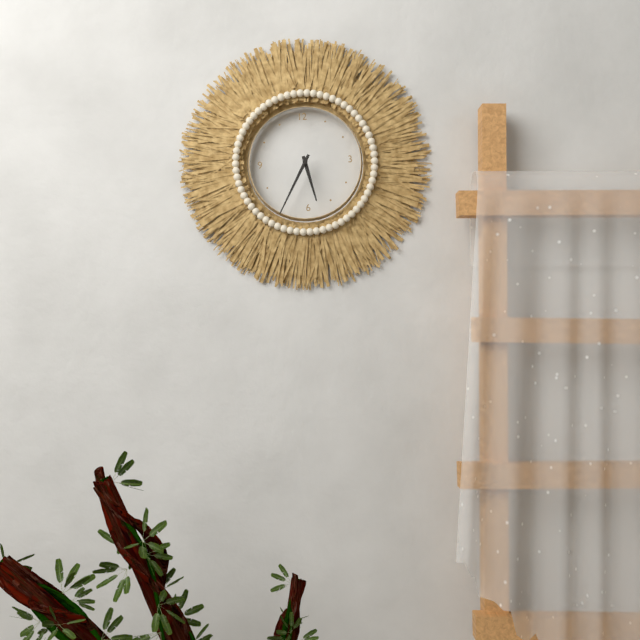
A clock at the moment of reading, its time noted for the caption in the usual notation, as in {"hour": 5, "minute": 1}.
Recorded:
{"hour": 5, "minute": 35}
